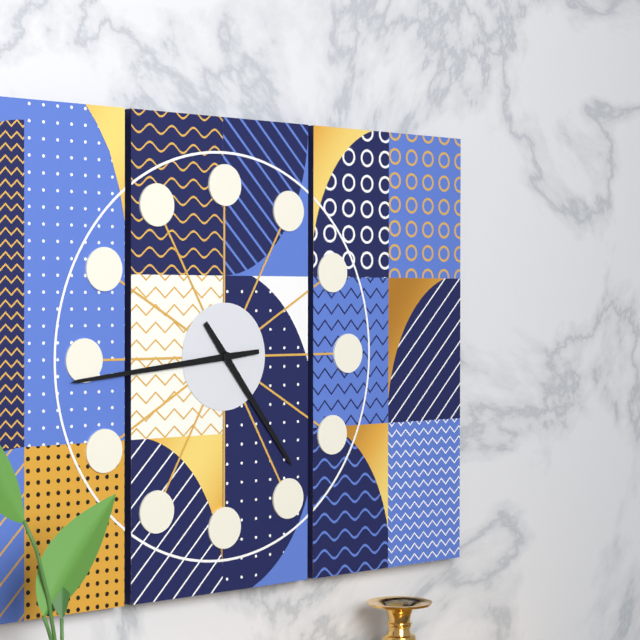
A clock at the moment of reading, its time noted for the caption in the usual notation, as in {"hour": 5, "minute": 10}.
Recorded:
{"hour": 4, "minute": 44}
